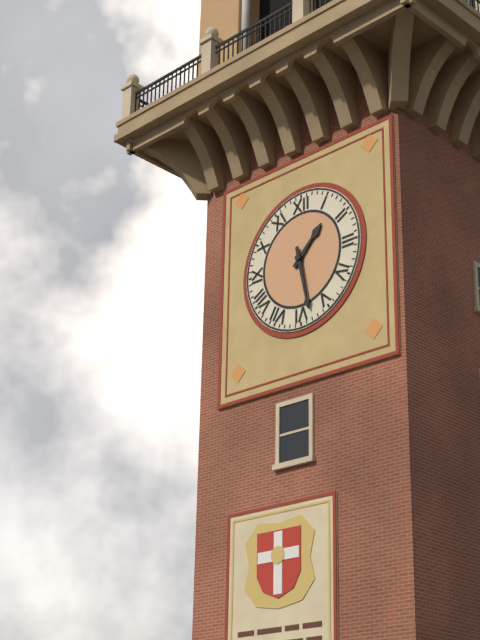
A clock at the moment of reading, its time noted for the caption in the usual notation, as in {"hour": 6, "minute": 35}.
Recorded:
{"hour": 1, "minute": 28}
